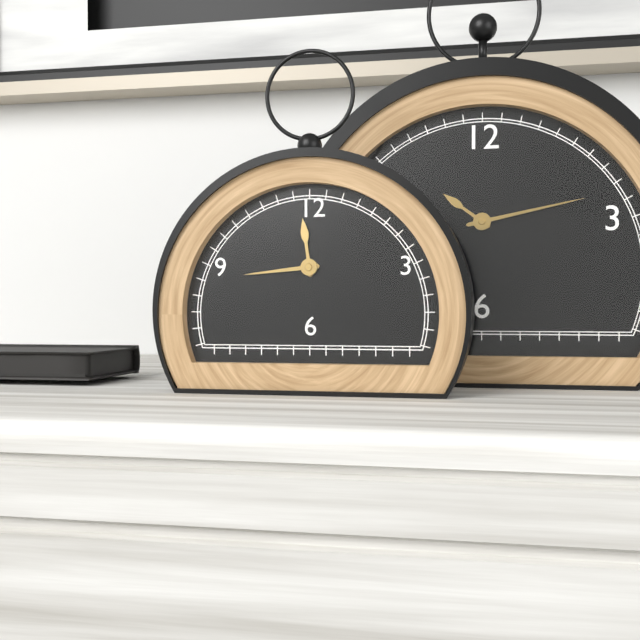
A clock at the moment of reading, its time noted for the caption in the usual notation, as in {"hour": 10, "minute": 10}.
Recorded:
{"hour": 11, "minute": 44}
